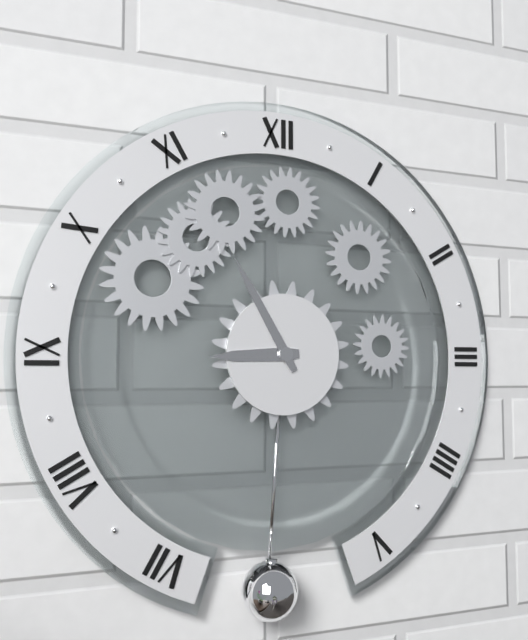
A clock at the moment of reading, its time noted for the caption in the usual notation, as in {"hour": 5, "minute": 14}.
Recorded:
{"hour": 8, "minute": 55}
